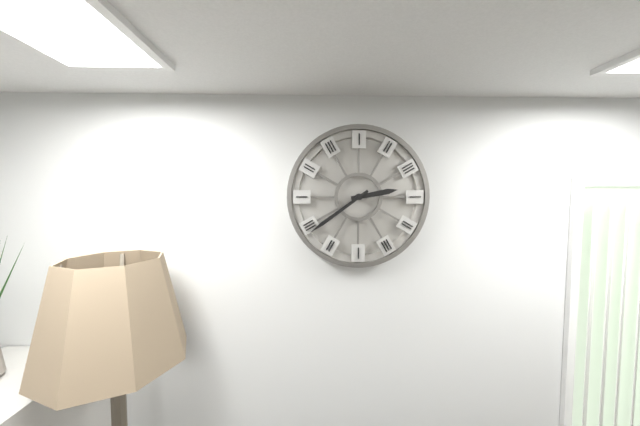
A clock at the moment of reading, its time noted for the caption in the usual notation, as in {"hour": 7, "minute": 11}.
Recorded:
{"hour": 2, "minute": 39}
